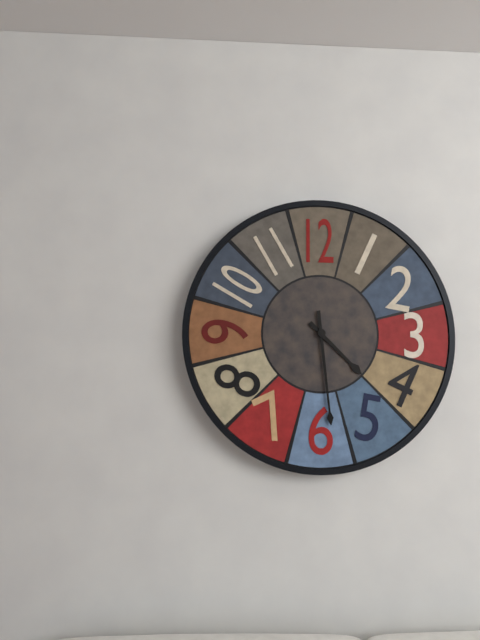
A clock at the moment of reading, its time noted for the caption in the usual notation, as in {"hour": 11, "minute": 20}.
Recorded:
{"hour": 4, "minute": 29}
